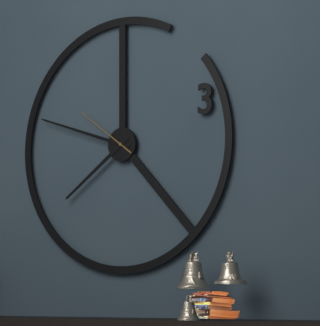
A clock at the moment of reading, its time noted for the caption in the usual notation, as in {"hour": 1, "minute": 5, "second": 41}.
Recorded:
{"hour": 7, "minute": 48, "second": 51}
